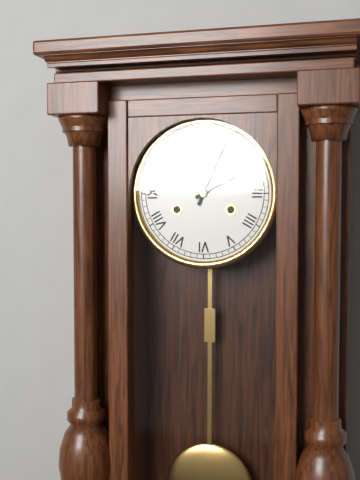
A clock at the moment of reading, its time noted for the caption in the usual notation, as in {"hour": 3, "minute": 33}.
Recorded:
{"hour": 2, "minute": 4}
